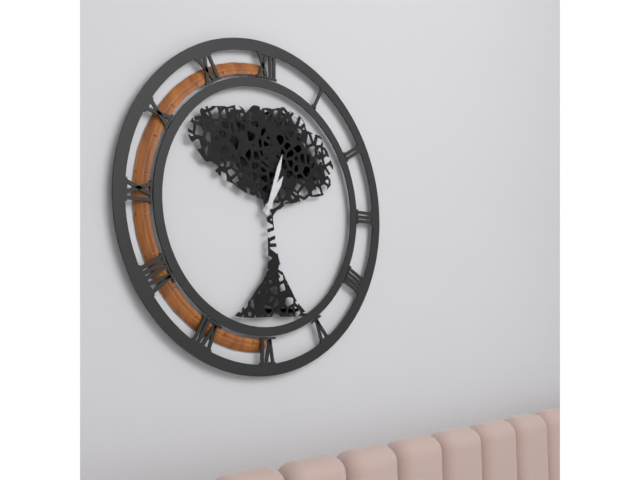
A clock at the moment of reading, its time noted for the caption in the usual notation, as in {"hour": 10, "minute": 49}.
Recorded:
{"hour": 1, "minute": 3}
